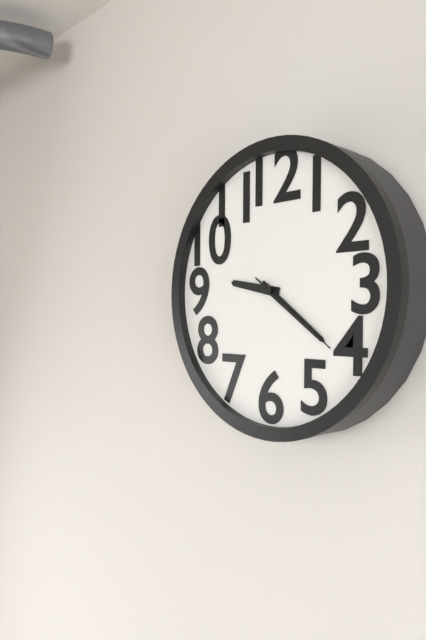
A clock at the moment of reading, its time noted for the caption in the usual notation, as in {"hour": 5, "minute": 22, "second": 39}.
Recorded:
{"hour": 9, "minute": 21, "second": 21}
